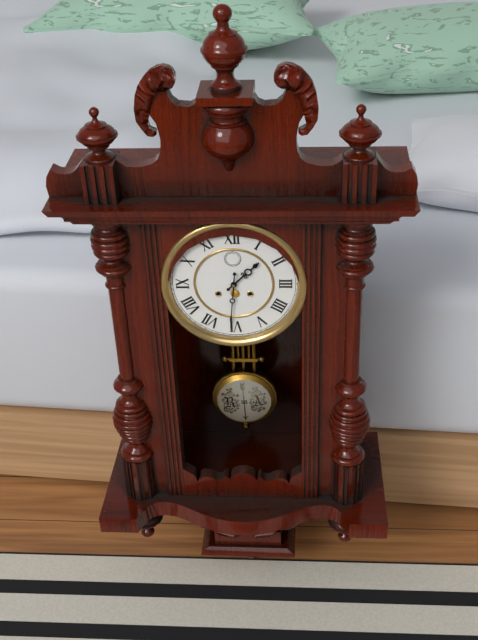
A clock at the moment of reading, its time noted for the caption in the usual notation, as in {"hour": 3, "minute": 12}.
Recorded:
{"hour": 1, "minute": 31}
